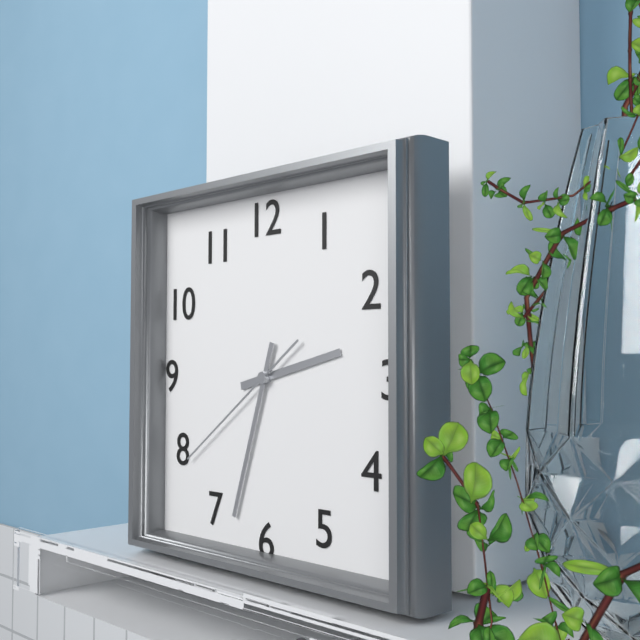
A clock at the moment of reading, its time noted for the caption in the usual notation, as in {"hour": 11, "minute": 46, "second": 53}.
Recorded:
{"hour": 2, "minute": 33, "second": 39}
